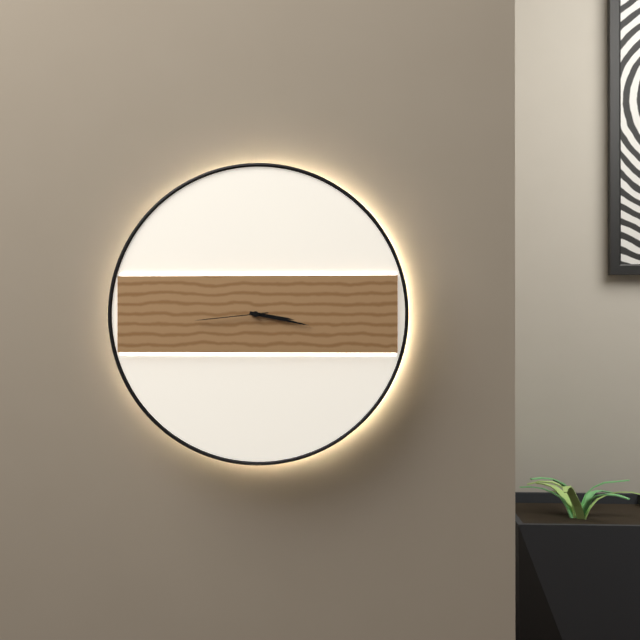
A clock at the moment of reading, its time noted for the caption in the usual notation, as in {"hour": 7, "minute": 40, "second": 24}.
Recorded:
{"hour": 3, "minute": 17, "second": 44}
